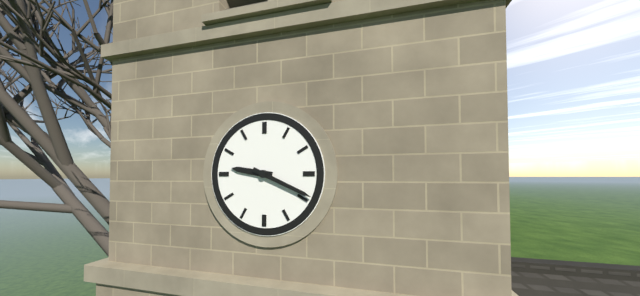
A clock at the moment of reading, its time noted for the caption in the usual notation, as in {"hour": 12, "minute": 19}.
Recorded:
{"hour": 9, "minute": 19}
